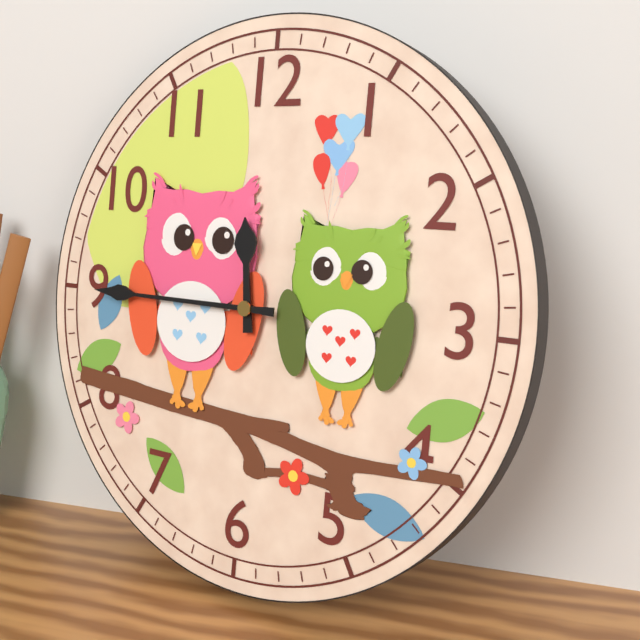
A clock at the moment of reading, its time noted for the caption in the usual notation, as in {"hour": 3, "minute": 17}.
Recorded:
{"hour": 11, "minute": 45}
